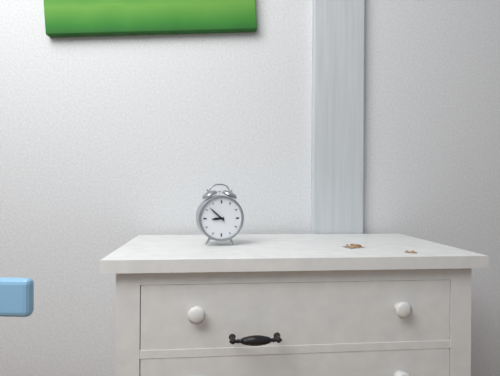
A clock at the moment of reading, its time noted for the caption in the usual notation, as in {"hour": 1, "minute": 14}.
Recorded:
{"hour": 8, "minute": 52}
